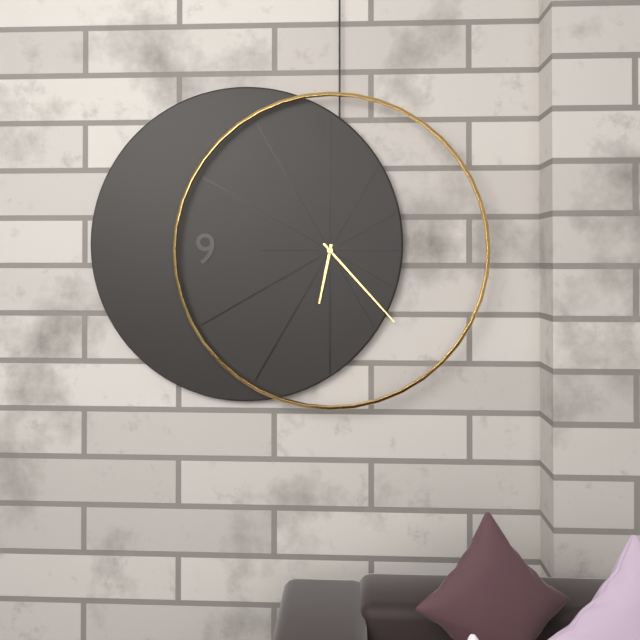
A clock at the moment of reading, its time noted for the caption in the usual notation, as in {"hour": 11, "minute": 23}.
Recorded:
{"hour": 6, "minute": 23}
